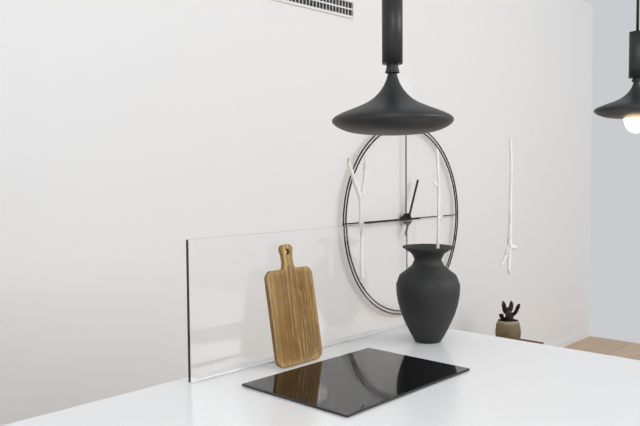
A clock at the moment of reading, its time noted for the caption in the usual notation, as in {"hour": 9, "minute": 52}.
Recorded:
{"hour": 12, "minute": 45}
